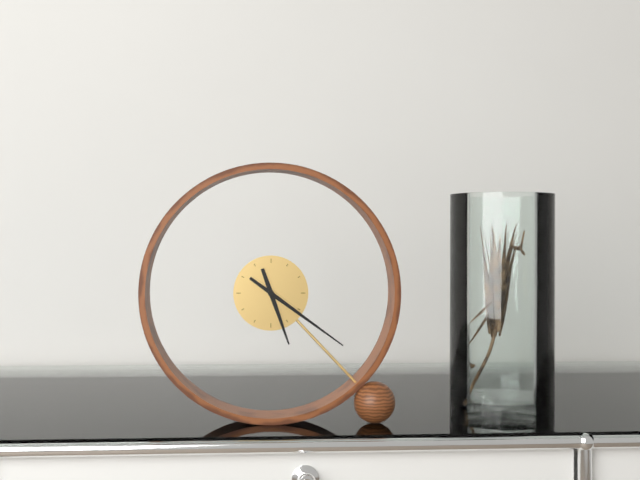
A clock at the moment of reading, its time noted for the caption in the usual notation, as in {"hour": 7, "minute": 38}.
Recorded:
{"hour": 5, "minute": 21}
